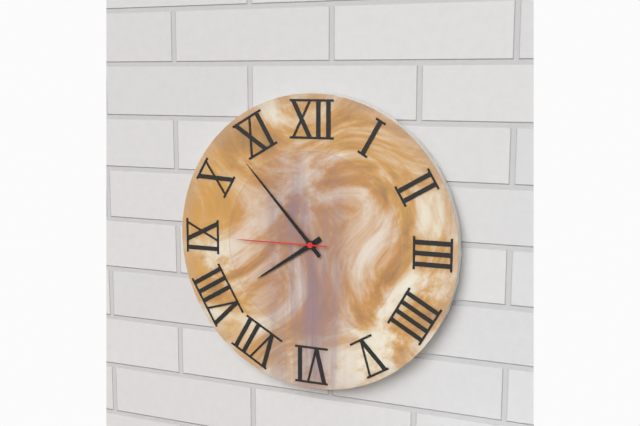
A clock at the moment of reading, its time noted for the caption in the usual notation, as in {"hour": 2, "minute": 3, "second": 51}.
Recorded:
{"hour": 7, "minute": 53, "second": 45}
